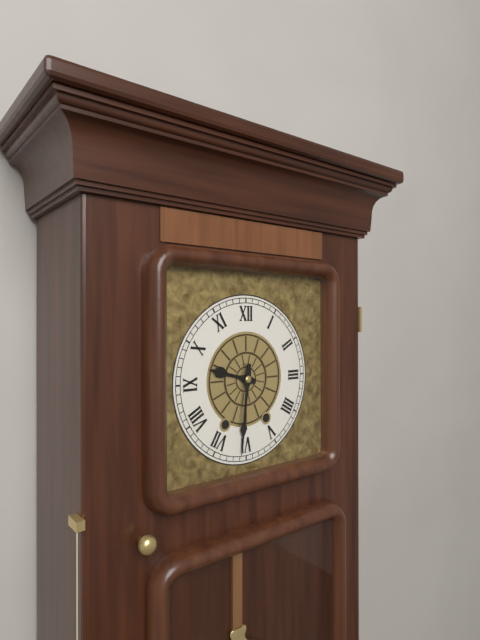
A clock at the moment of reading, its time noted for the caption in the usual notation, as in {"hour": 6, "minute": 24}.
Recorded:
{"hour": 9, "minute": 31}
